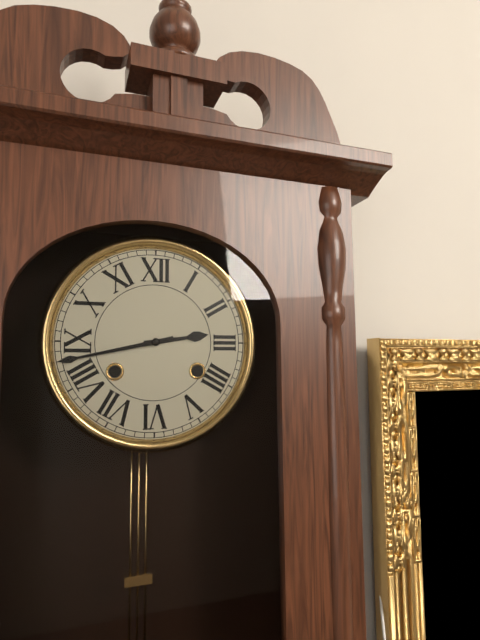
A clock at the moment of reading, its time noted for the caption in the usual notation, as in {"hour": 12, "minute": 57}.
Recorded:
{"hour": 2, "minute": 43}
